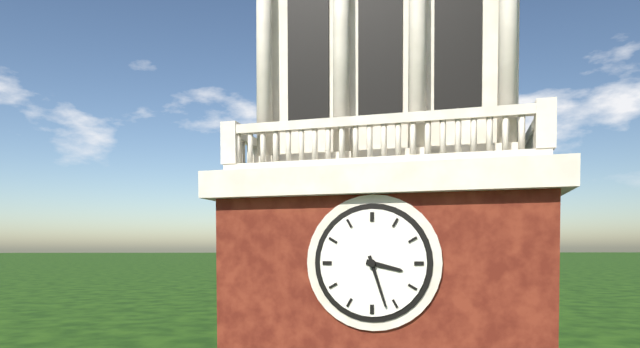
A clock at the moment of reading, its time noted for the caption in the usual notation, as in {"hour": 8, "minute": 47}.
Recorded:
{"hour": 3, "minute": 27}
